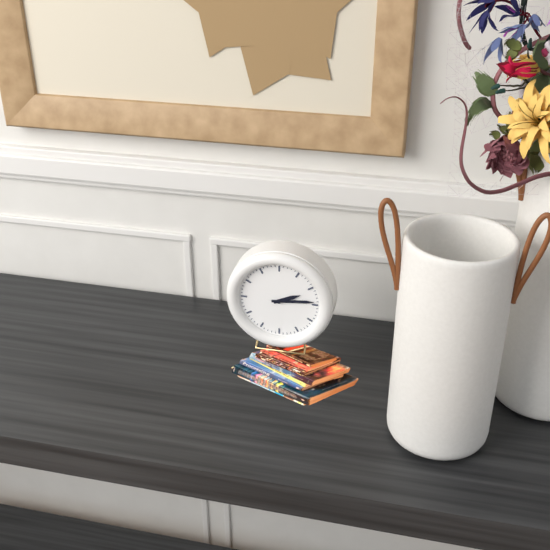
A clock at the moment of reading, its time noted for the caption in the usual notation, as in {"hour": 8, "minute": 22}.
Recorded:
{"hour": 2, "minute": 14}
